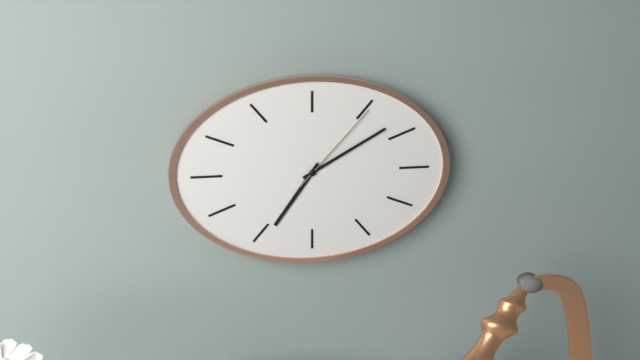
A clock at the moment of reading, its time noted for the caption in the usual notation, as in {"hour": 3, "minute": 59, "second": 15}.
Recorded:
{"hour": 7, "minute": 10, "second": 7}
